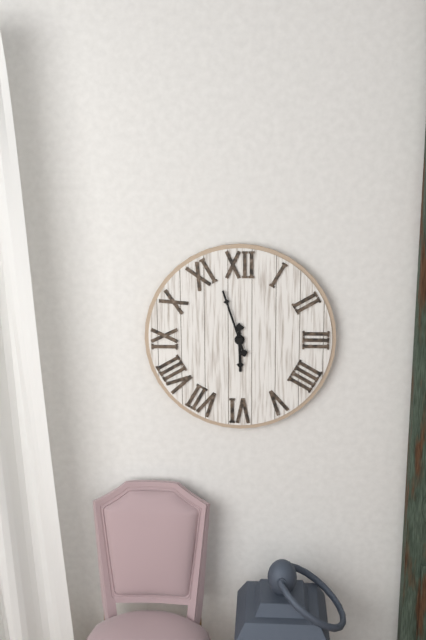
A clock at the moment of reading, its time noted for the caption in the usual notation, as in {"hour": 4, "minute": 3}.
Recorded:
{"hour": 5, "minute": 57}
